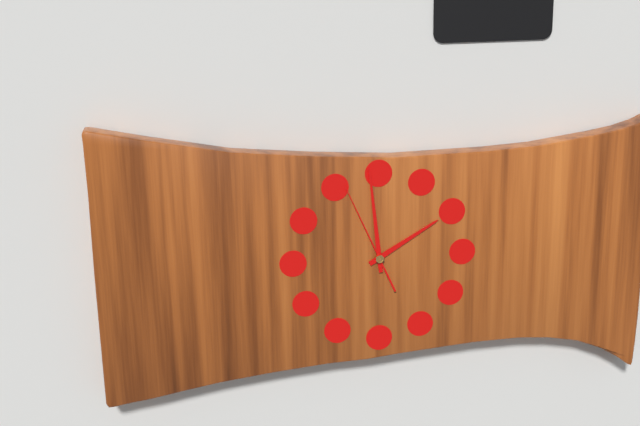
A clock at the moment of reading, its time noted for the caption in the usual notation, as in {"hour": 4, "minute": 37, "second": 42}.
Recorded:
{"hour": 1, "minute": 59, "second": 56}
